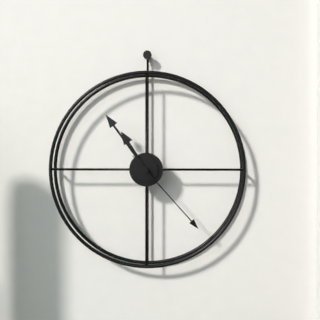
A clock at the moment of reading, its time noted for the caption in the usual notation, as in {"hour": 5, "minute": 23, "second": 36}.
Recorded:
{"hour": 10, "minute": 54, "second": 23}
